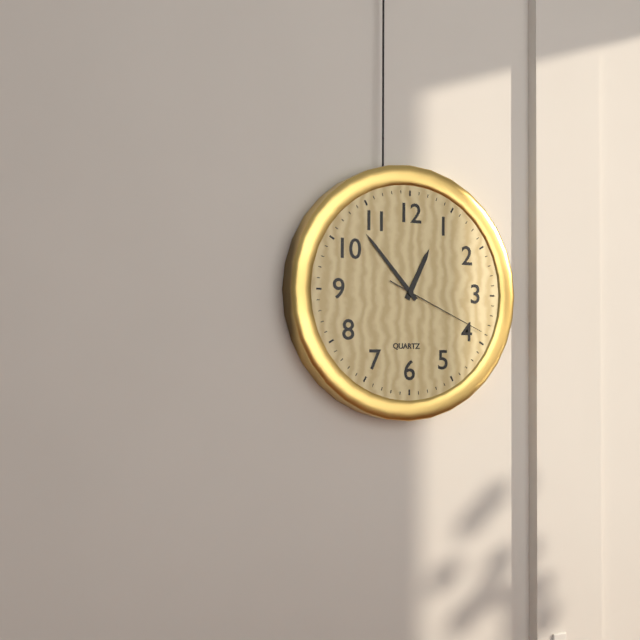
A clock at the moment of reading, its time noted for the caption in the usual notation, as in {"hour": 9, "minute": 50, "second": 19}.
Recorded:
{"hour": 12, "minute": 53, "second": 19}
